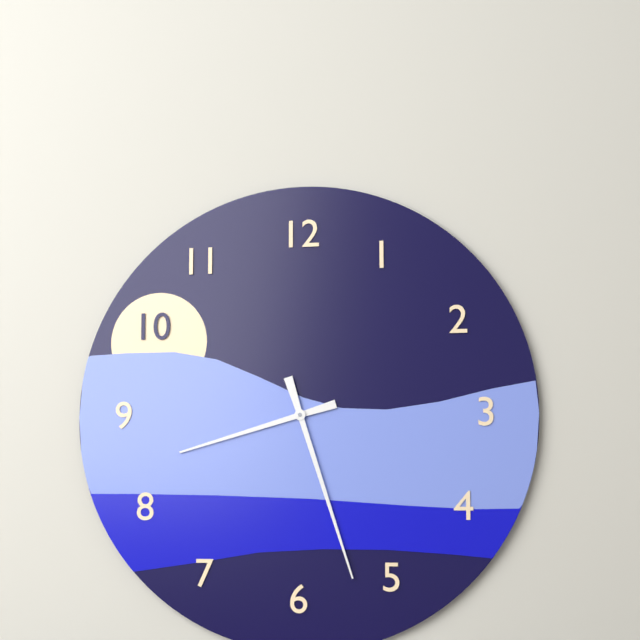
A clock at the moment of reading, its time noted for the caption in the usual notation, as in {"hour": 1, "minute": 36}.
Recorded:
{"hour": 8, "minute": 27}
